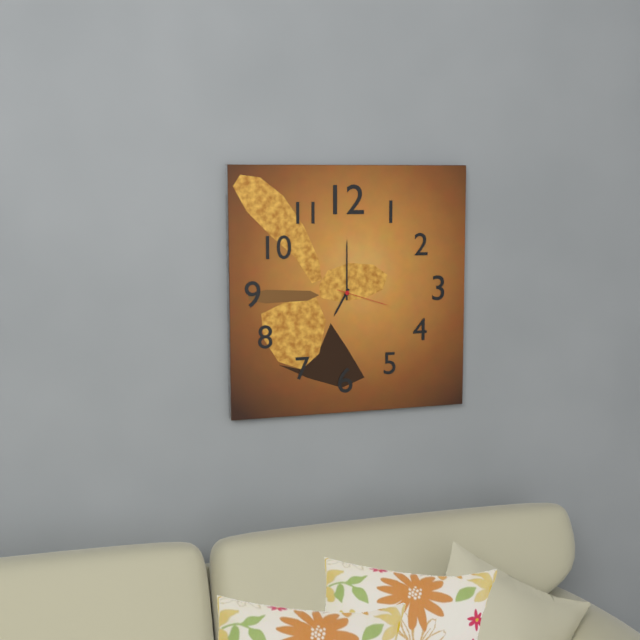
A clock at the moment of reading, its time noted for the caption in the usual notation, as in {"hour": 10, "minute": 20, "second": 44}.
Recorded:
{"hour": 7, "minute": 0, "second": 18}
